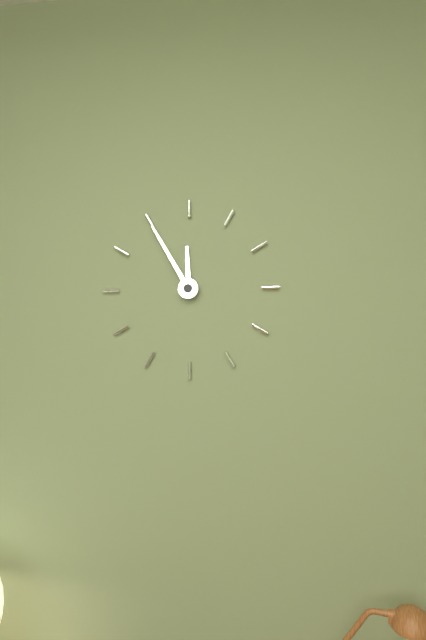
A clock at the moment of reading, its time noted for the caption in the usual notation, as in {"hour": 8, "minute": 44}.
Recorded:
{"hour": 11, "minute": 55}
